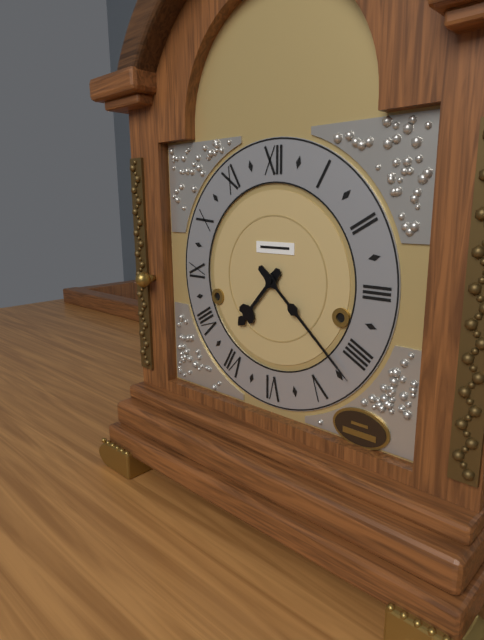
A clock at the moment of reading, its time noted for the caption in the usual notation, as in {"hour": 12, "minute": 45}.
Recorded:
{"hour": 7, "minute": 22}
